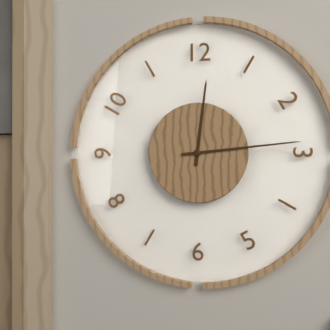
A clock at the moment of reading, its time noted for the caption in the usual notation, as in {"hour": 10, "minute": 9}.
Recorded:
{"hour": 12, "minute": 14}
